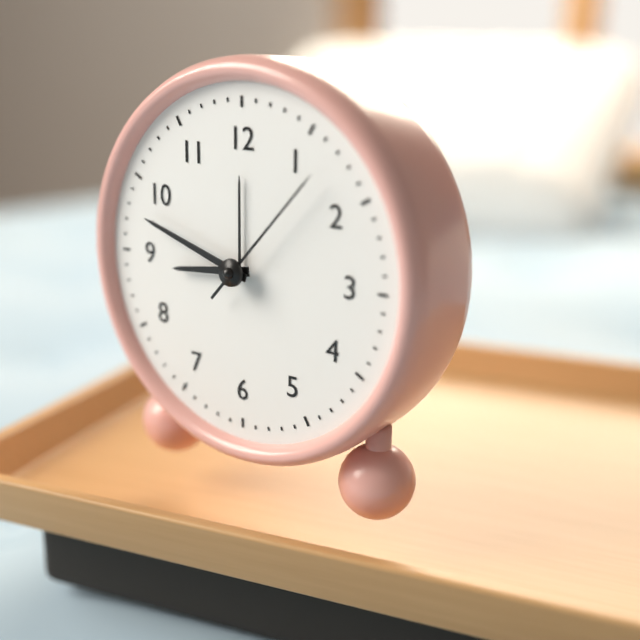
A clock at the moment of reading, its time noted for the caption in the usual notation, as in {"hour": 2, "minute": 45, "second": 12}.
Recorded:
{"hour": 8, "minute": 48, "second": 7}
